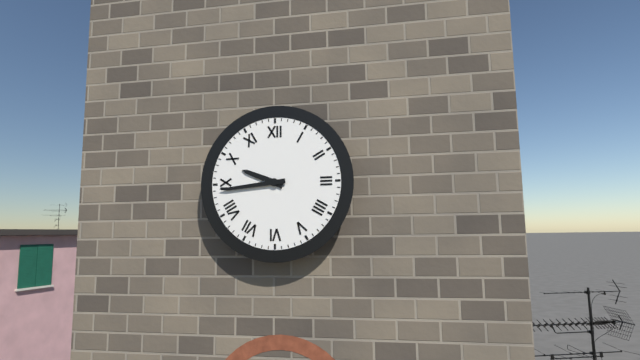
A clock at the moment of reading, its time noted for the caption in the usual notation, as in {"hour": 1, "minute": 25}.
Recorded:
{"hour": 9, "minute": 44}
